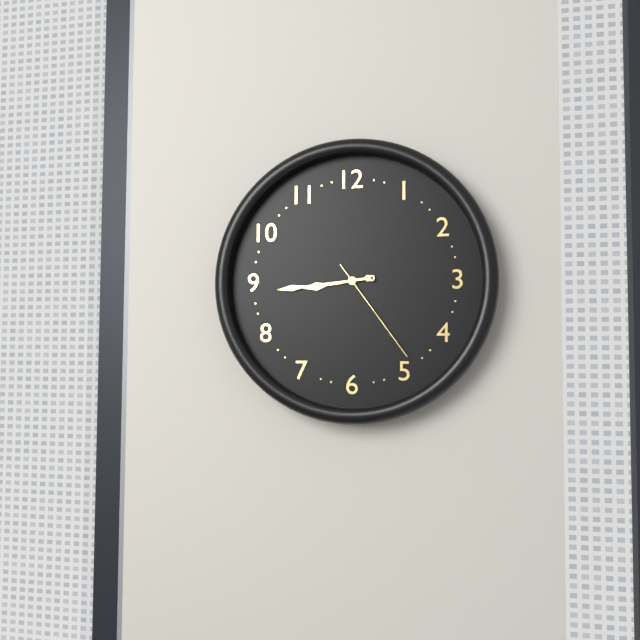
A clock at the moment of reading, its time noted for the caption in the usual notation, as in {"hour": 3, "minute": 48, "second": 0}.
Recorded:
{"hour": 8, "minute": 44, "second": 24}
